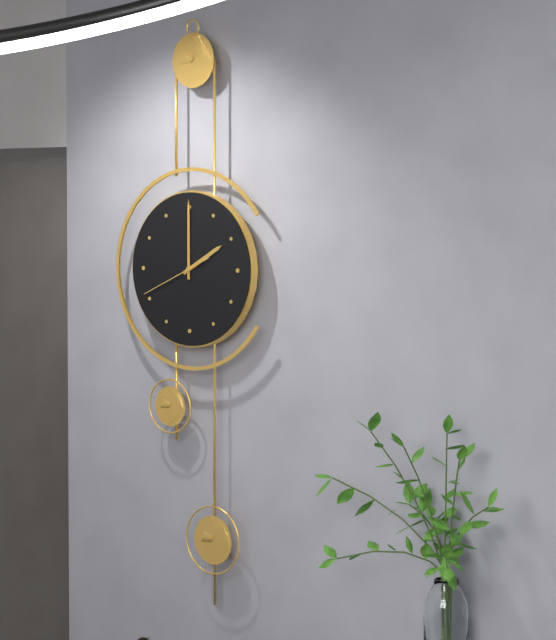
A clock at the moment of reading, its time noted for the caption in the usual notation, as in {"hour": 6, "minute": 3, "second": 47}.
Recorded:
{"hour": 2, "minute": 0, "second": 41}
